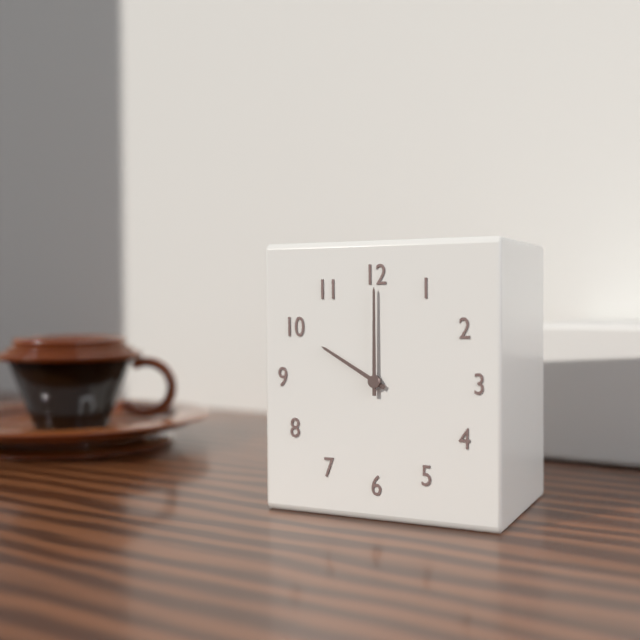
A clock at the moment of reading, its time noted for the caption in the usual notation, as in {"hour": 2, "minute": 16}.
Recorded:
{"hour": 10, "minute": 0}
